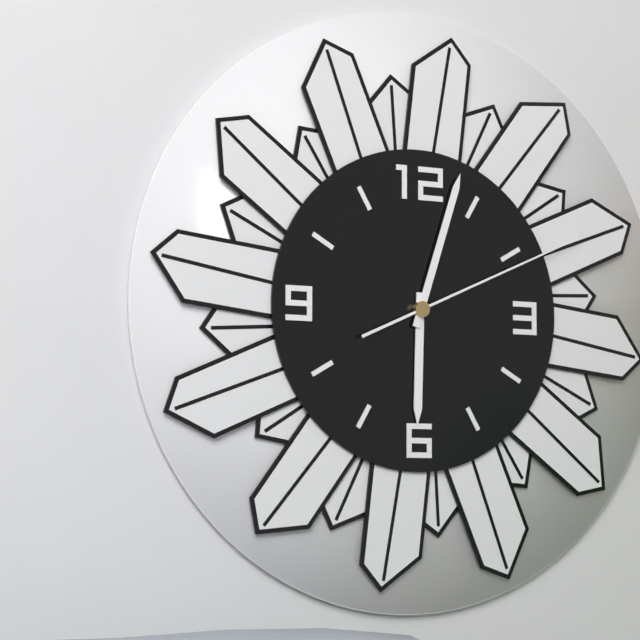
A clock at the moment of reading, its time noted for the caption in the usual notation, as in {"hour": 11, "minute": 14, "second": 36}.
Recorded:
{"hour": 6, "minute": 3, "second": 11}
